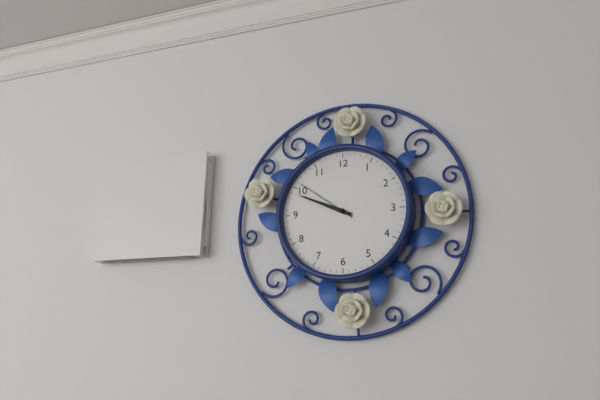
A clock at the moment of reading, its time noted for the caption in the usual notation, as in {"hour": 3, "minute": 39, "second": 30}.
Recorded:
{"hour": 9, "minute": 49, "second": 51}
